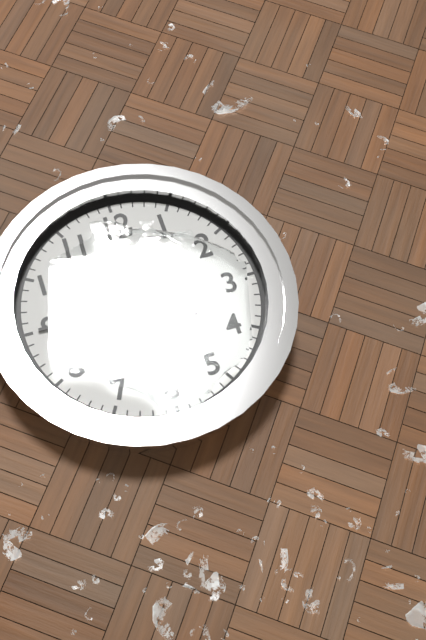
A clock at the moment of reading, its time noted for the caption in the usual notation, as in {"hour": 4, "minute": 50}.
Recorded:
{"hour": 3, "minute": 45}
